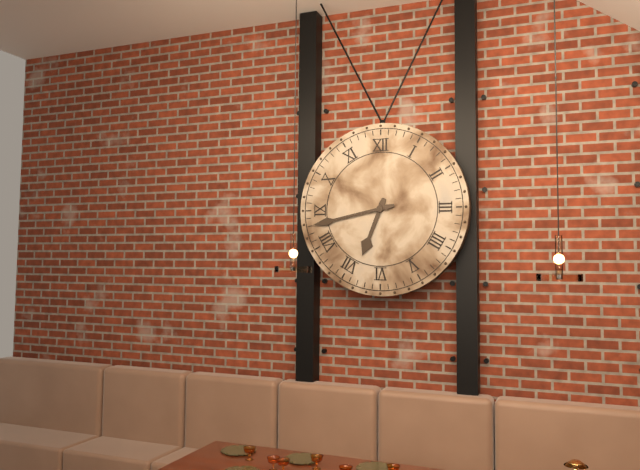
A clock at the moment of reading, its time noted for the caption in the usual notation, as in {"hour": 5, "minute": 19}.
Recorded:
{"hour": 6, "minute": 43}
